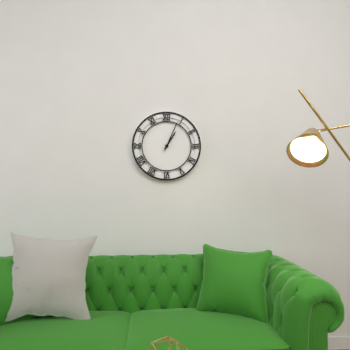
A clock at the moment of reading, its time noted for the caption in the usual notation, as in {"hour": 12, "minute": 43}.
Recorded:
{"hour": 1, "minute": 4}
